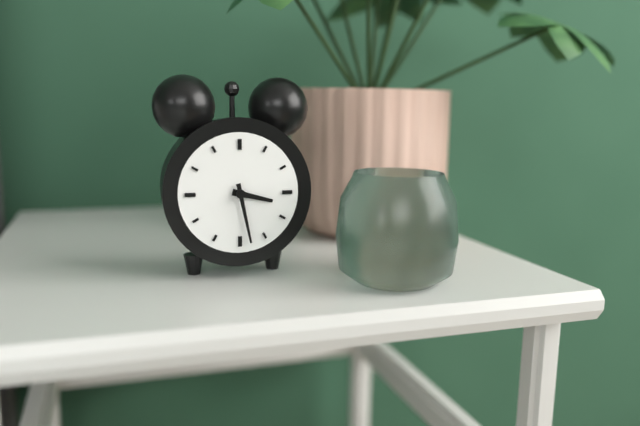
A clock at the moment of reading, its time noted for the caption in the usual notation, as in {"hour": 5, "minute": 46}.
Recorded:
{"hour": 3, "minute": 28}
